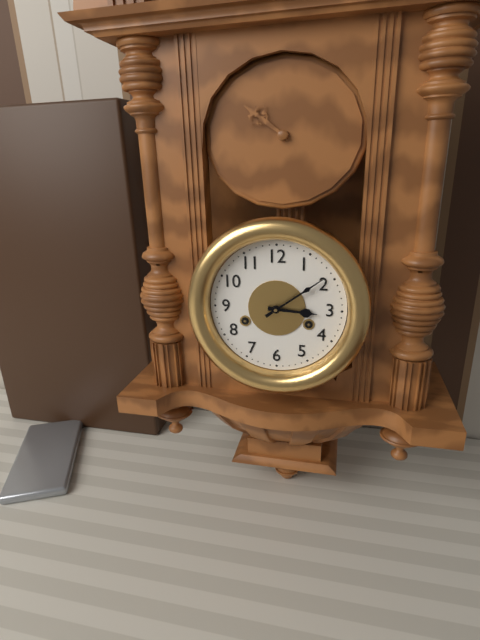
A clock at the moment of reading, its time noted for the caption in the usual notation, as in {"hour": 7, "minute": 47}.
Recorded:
{"hour": 3, "minute": 9}
